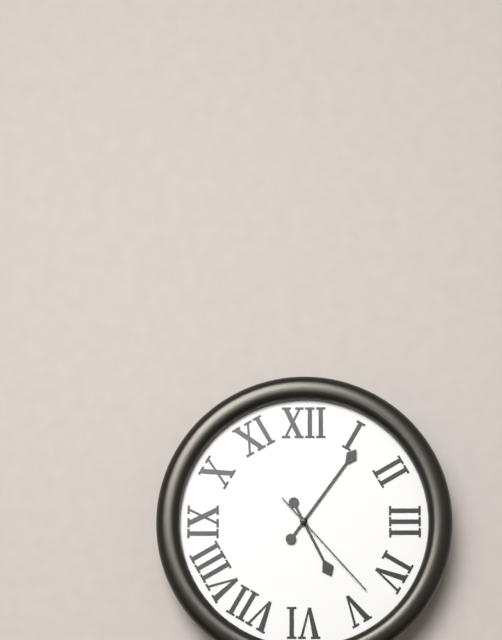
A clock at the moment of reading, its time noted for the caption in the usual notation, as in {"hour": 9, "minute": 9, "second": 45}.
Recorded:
{"hour": 5, "minute": 6, "second": 23}
